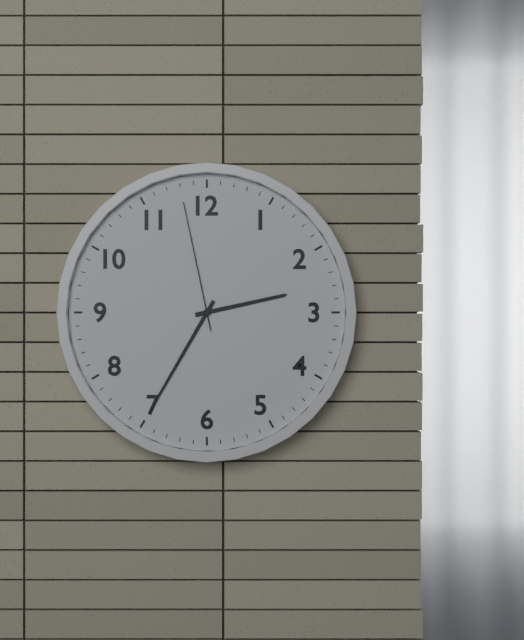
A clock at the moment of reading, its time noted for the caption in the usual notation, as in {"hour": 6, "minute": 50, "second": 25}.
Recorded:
{"hour": 2, "minute": 35, "second": 58}
